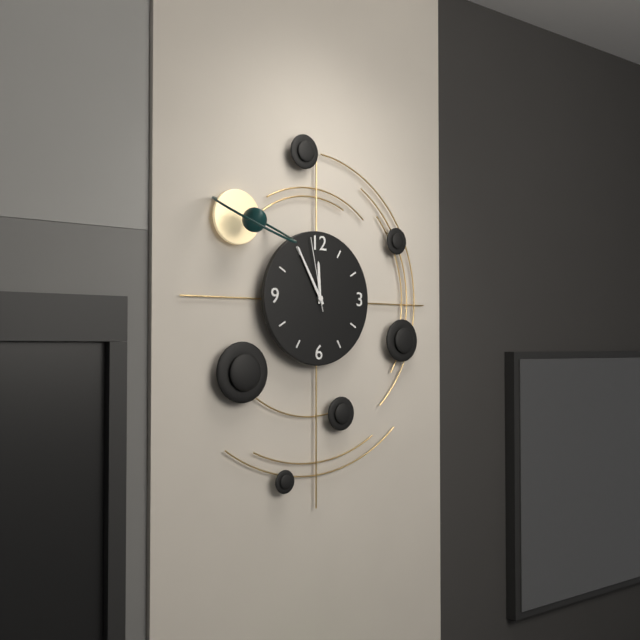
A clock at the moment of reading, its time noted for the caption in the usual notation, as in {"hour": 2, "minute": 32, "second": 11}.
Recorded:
{"hour": 11, "minute": 55, "second": 58}
